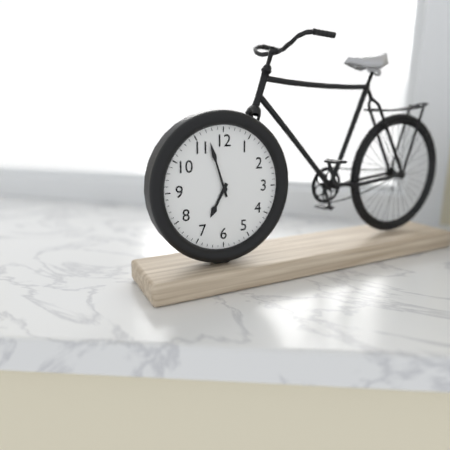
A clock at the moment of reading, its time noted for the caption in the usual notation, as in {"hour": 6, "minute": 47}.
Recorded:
{"hour": 6, "minute": 57}
